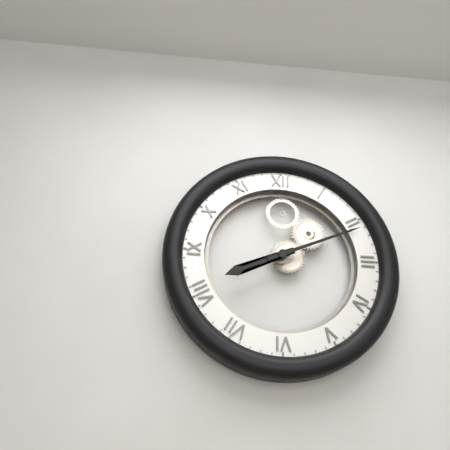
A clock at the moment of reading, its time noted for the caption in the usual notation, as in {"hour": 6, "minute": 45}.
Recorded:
{"hour": 8, "minute": 11}
